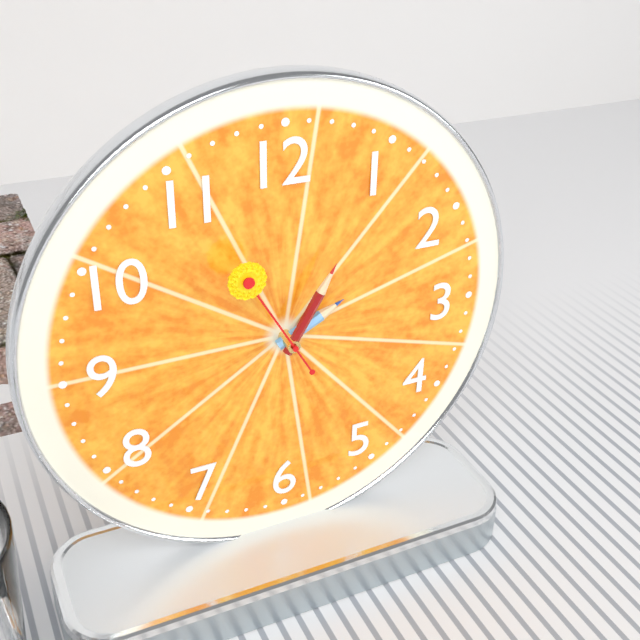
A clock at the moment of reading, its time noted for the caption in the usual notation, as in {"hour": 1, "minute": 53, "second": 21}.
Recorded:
{"hour": 2, "minute": 5, "second": 55}
